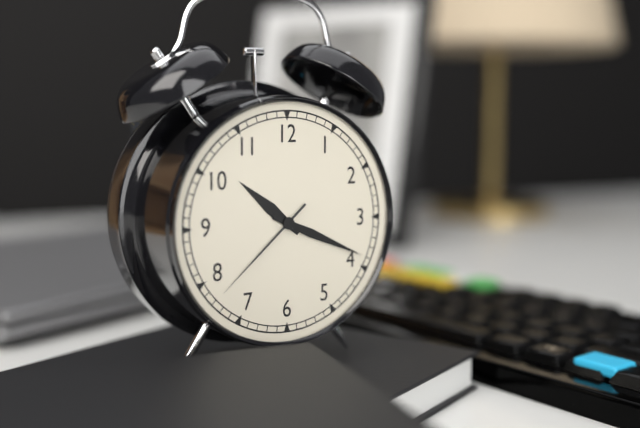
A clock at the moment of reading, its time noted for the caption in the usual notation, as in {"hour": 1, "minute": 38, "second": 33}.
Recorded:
{"hour": 10, "minute": 19, "second": 38}
